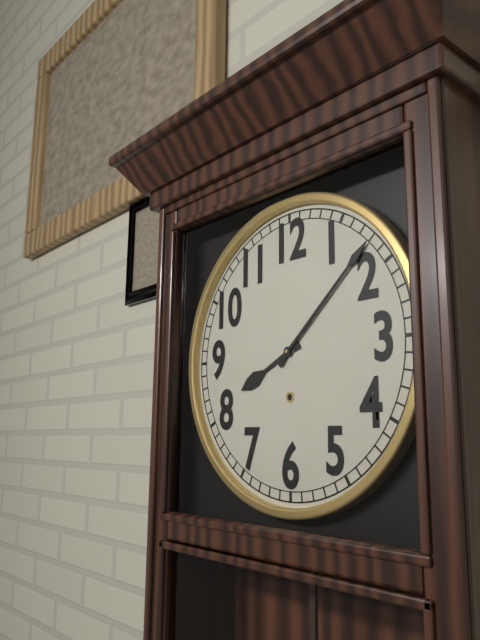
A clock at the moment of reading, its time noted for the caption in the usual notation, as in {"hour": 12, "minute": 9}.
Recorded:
{"hour": 8, "minute": 8}
